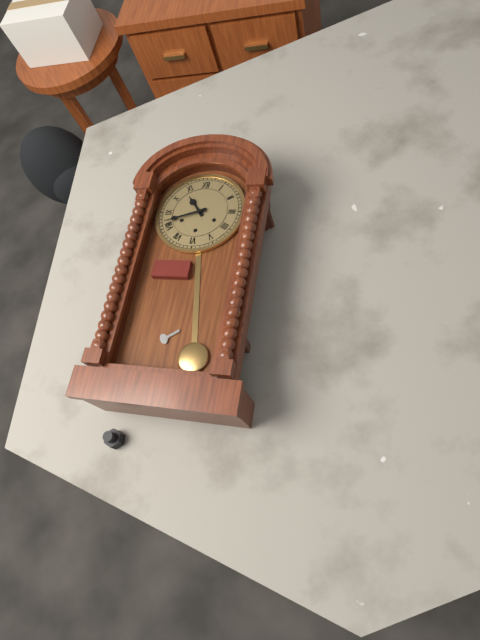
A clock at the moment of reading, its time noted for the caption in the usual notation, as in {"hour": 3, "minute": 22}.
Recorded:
{"hour": 10, "minute": 42}
